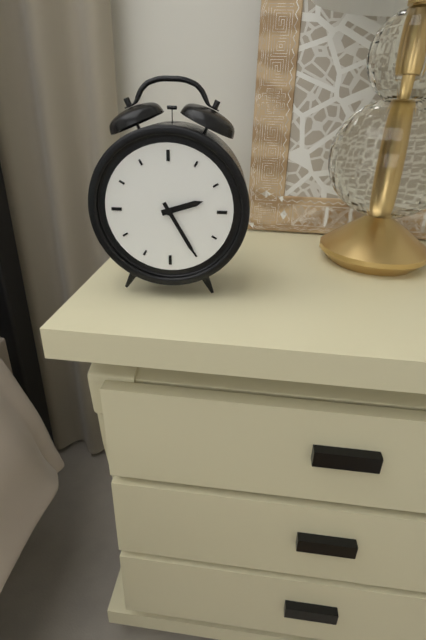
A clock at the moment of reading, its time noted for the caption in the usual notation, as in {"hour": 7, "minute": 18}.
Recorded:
{"hour": 2, "minute": 25}
